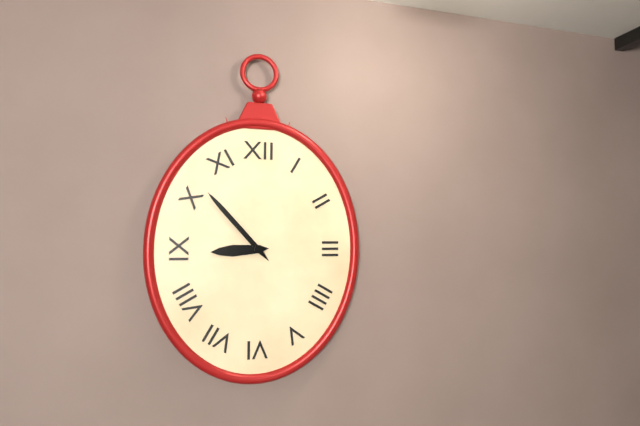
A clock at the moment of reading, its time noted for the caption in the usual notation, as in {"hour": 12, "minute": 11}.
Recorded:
{"hour": 8, "minute": 53}
